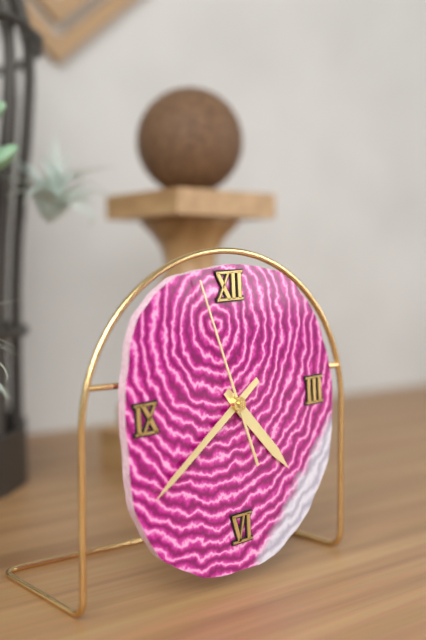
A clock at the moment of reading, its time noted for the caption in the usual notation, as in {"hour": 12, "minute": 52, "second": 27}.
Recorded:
{"hour": 4, "minute": 39, "second": 57}
